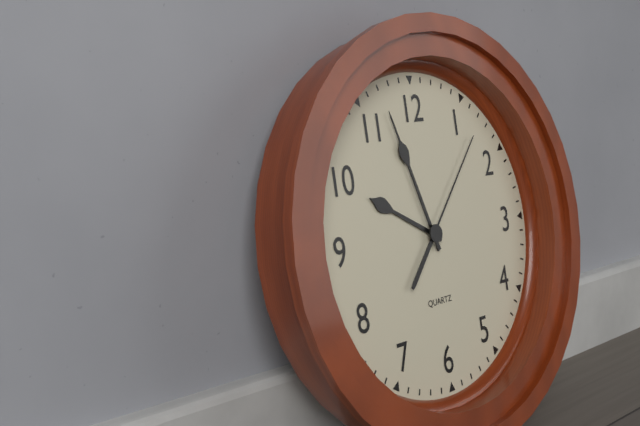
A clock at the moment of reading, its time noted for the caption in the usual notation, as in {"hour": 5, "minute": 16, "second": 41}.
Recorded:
{"hour": 9, "minute": 57, "second": 7}
